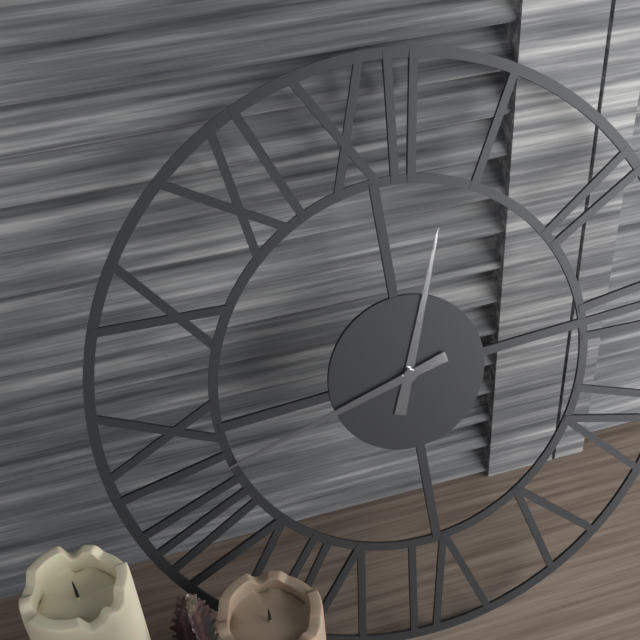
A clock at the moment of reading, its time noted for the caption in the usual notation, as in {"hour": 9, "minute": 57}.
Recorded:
{"hour": 12, "minute": 43}
